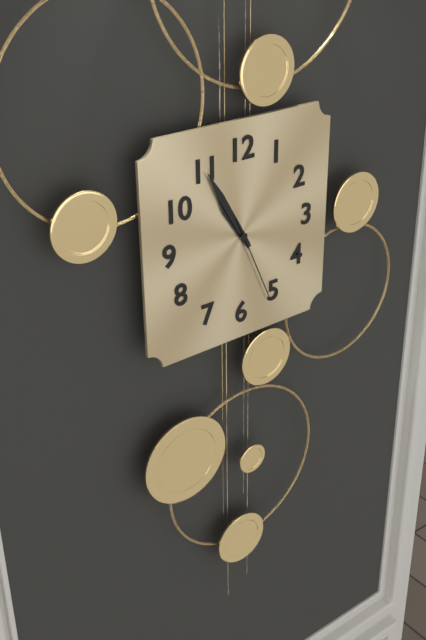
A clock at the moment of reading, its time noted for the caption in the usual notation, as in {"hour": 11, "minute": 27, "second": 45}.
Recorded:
{"hour": 10, "minute": 55, "second": 26}
